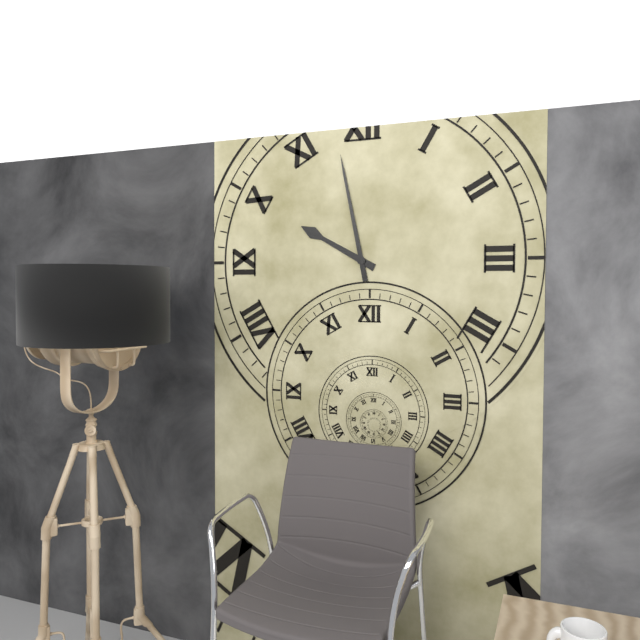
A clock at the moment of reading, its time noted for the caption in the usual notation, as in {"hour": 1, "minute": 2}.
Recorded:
{"hour": 9, "minute": 58}
